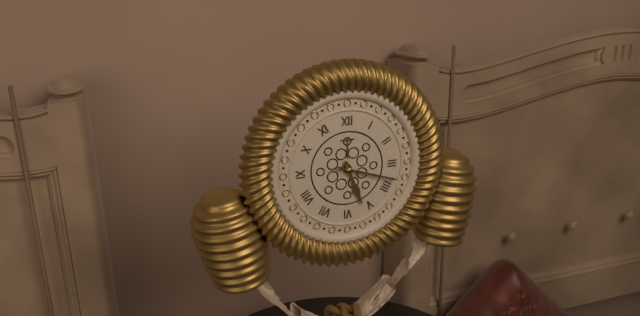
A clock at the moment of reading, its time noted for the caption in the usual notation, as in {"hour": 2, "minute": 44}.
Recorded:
{"hour": 5, "minute": 18}
